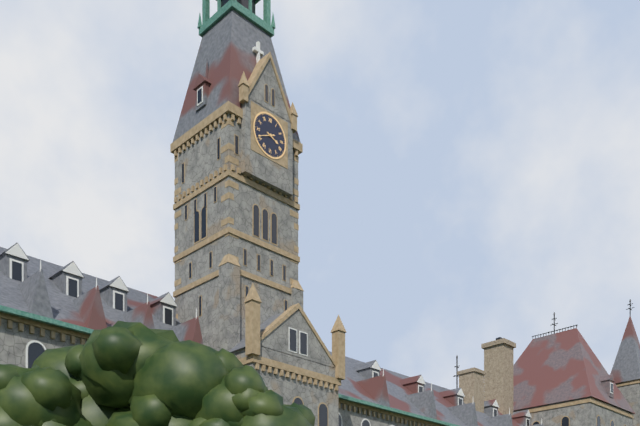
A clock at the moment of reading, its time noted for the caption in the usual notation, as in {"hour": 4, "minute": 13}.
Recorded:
{"hour": 3, "minute": 41}
